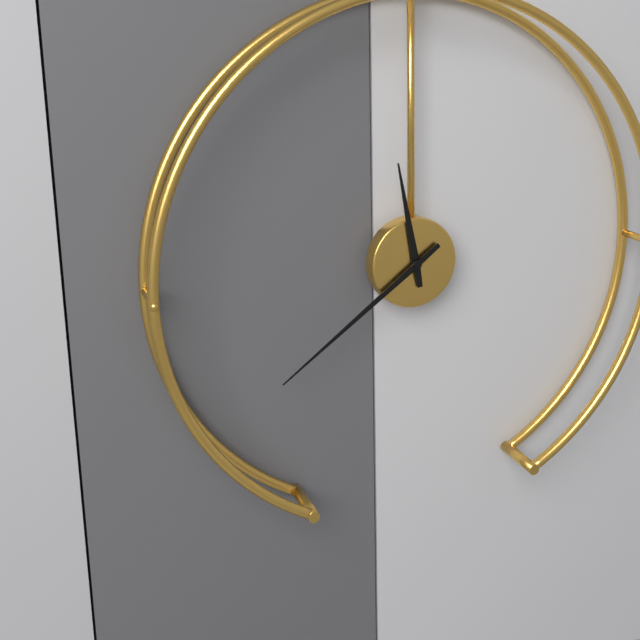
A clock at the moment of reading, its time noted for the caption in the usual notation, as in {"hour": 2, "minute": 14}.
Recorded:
{"hour": 11, "minute": 39}
